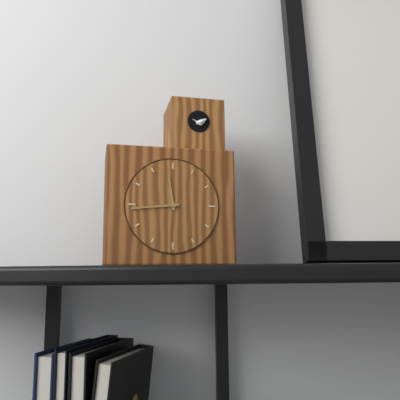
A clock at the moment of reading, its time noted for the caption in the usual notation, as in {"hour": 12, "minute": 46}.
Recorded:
{"hour": 11, "minute": 44}
